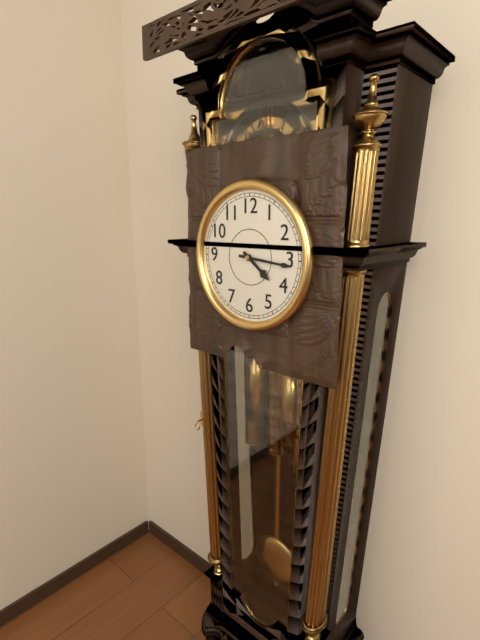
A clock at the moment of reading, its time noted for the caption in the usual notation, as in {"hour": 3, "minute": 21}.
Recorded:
{"hour": 4, "minute": 16}
